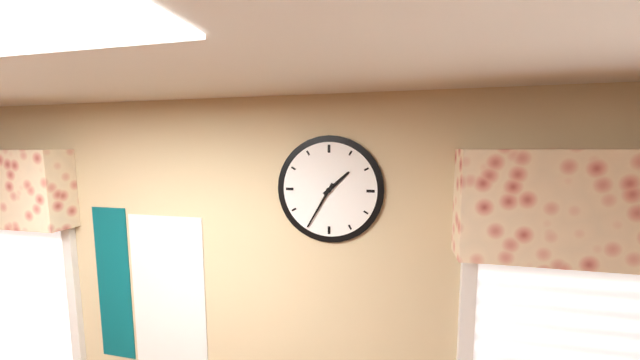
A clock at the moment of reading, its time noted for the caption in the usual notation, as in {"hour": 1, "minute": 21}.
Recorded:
{"hour": 1, "minute": 35}
